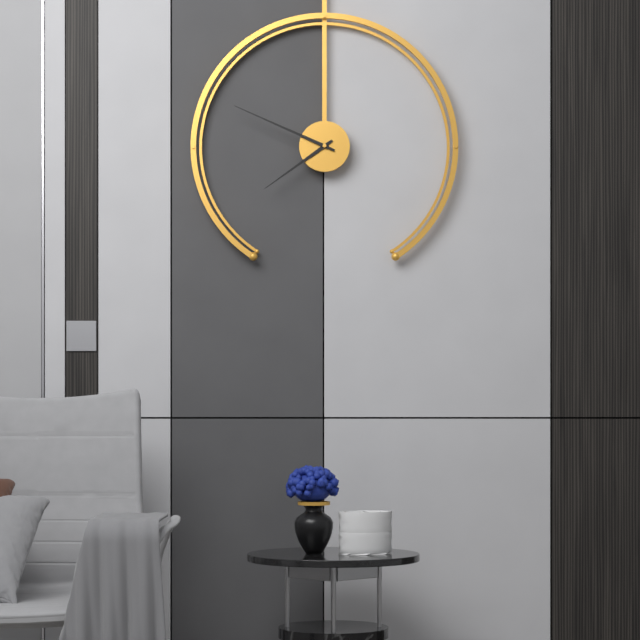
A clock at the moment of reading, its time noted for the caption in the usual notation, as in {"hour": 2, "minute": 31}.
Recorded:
{"hour": 7, "minute": 49}
